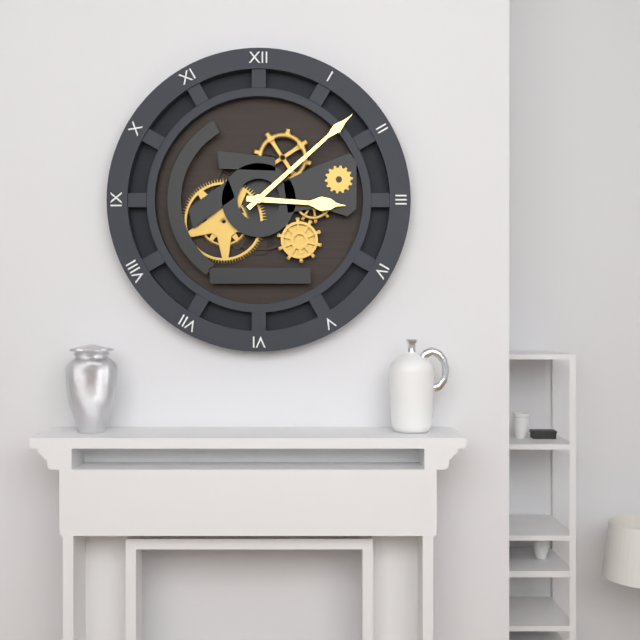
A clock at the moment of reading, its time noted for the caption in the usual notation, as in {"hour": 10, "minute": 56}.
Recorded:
{"hour": 3, "minute": 8}
